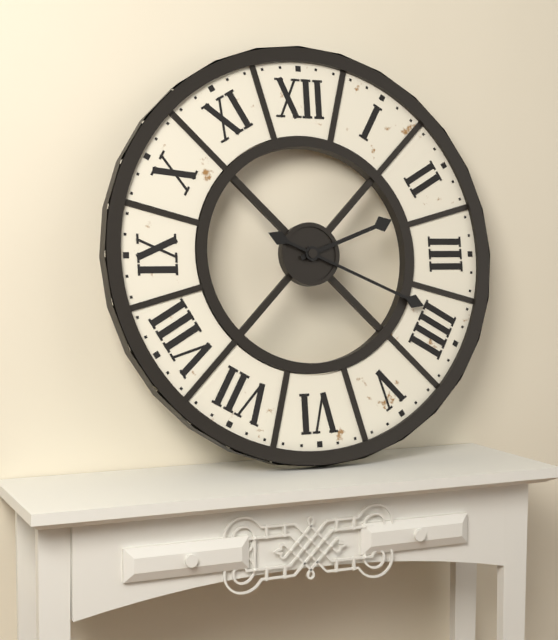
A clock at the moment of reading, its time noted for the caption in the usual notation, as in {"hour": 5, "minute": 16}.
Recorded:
{"hour": 2, "minute": 19}
